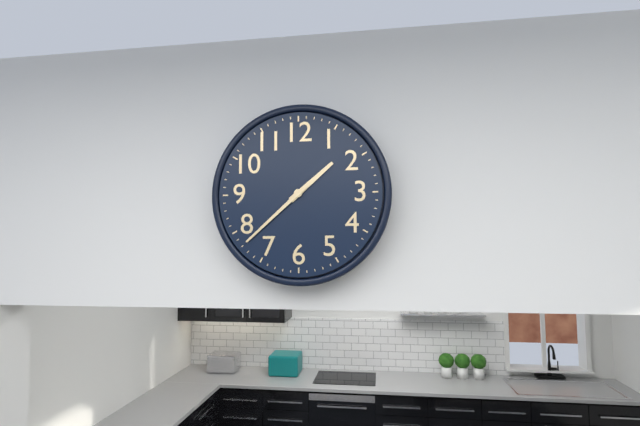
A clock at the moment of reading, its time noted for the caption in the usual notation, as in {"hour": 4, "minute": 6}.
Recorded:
{"hour": 1, "minute": 38}
